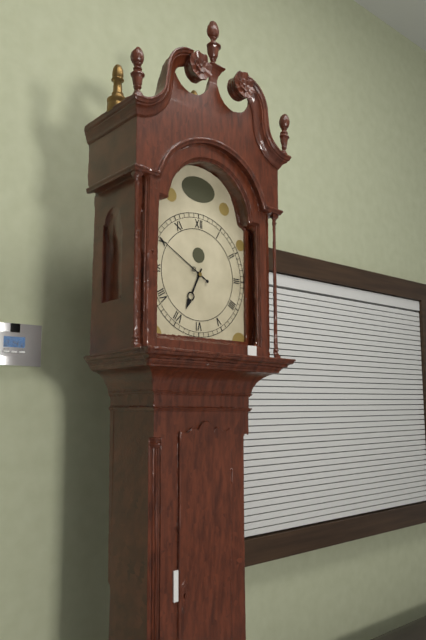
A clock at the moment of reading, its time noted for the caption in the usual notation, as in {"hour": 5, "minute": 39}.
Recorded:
{"hour": 6, "minute": 50}
